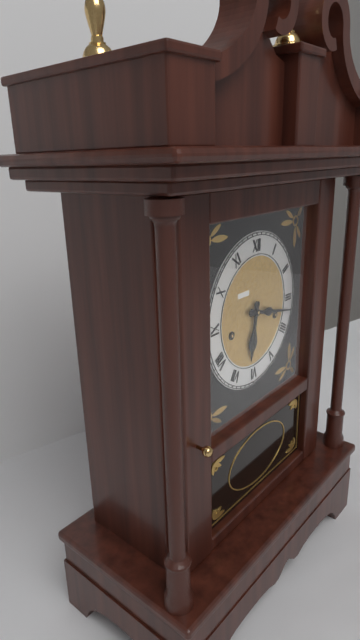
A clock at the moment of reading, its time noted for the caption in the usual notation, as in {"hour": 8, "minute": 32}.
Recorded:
{"hour": 6, "minute": 17}
